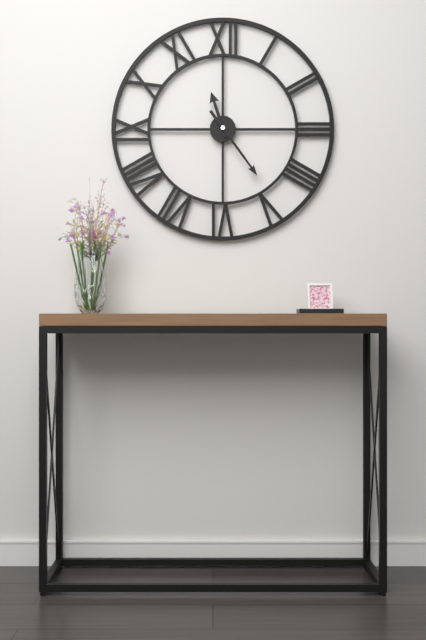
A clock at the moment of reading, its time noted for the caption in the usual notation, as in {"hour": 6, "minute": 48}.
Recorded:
{"hour": 11, "minute": 24}
